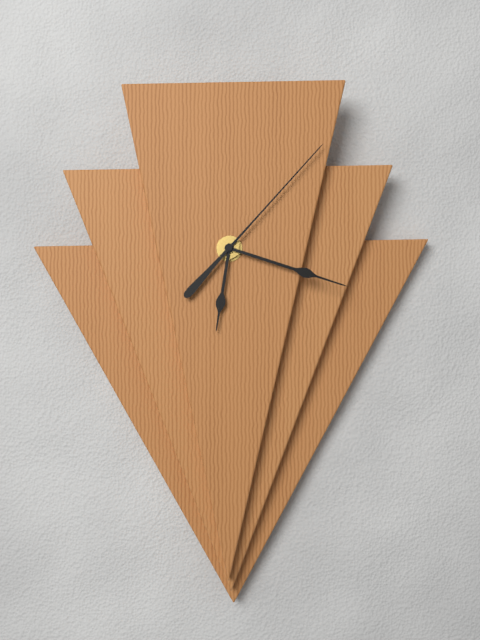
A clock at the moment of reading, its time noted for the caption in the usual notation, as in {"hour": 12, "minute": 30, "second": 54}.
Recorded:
{"hour": 6, "minute": 18, "second": 7}
